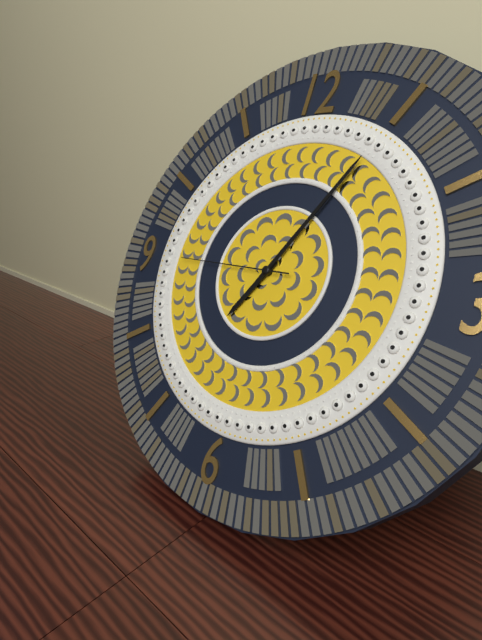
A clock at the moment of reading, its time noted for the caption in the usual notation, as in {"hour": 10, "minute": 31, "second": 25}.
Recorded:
{"hour": 7, "minute": 5, "second": 45}
